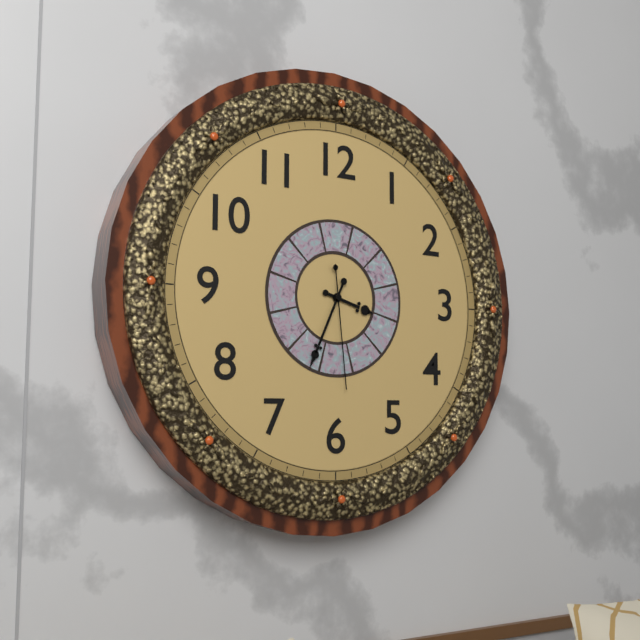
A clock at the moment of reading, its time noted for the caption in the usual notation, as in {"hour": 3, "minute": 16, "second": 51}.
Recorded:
{"hour": 3, "minute": 34, "second": 29}
